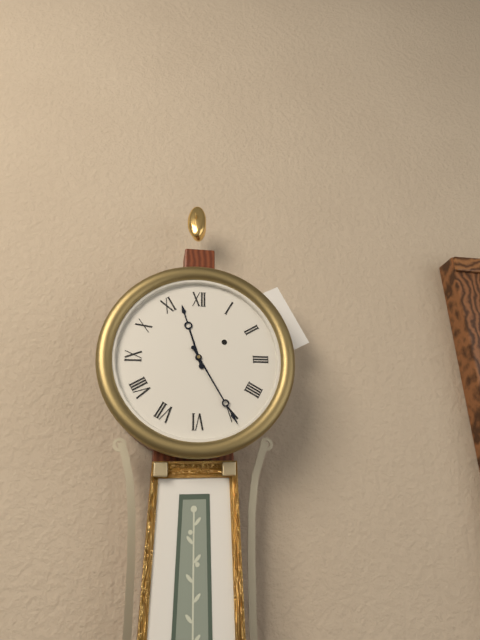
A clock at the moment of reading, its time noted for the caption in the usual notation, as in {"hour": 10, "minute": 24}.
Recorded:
{"hour": 11, "minute": 25}
